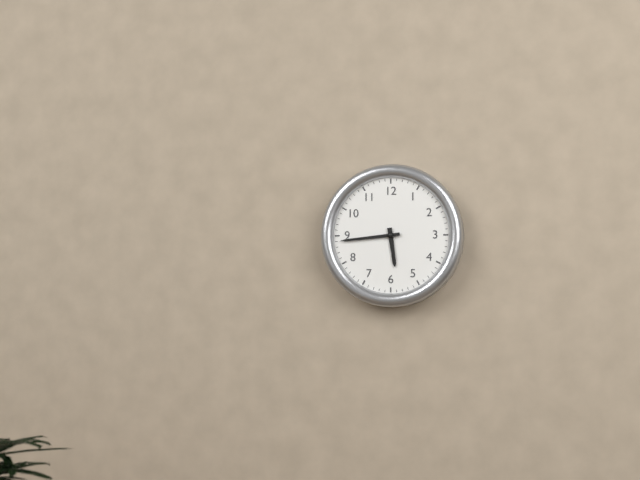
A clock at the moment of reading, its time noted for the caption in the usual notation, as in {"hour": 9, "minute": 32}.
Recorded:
{"hour": 5, "minute": 44}
